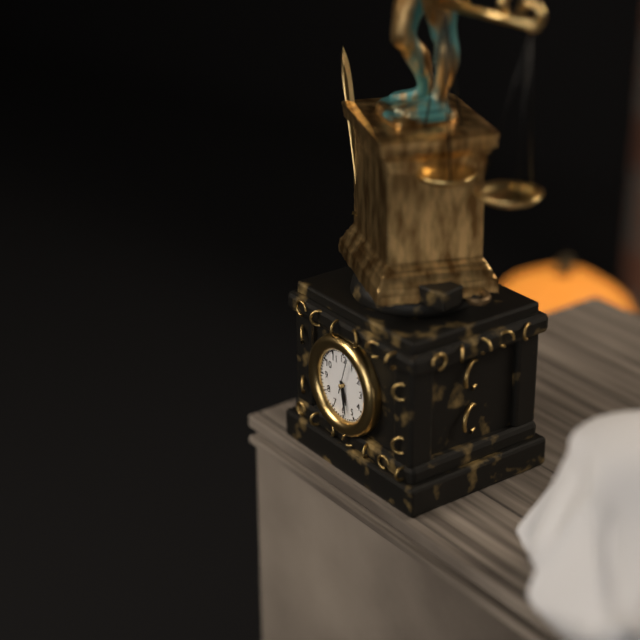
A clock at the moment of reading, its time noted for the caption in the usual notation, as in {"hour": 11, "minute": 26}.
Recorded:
{"hour": 5, "minute": 28}
